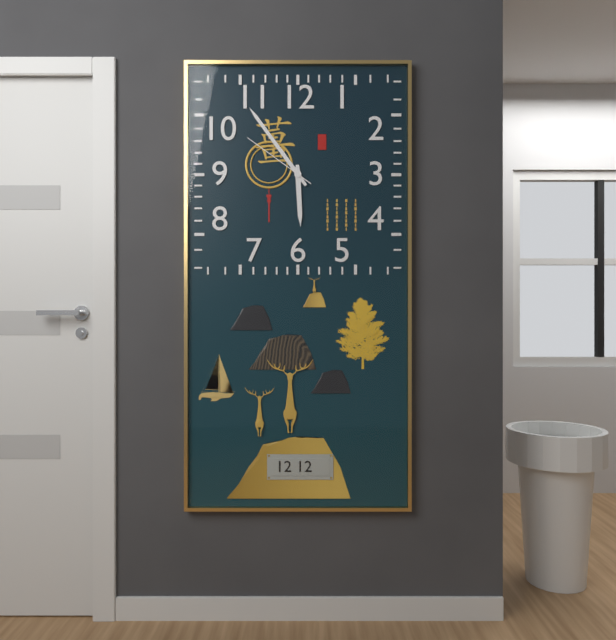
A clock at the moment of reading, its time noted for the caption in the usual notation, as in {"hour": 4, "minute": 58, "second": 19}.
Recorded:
{"hour": 5, "minute": 54, "second": 51}
